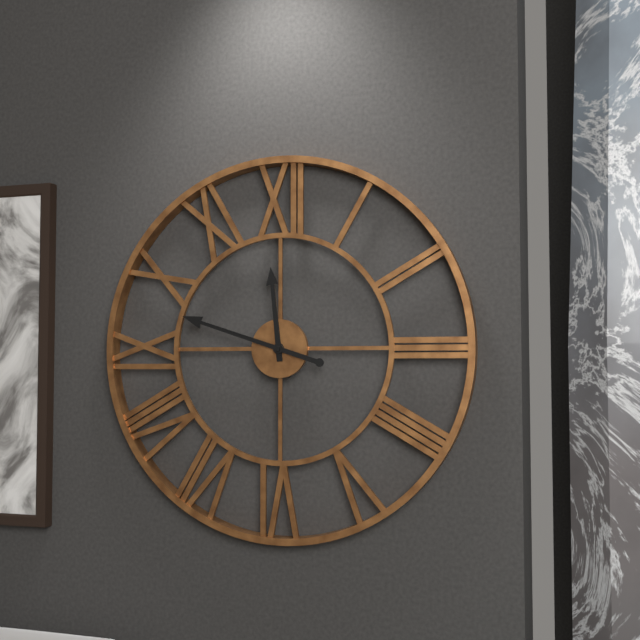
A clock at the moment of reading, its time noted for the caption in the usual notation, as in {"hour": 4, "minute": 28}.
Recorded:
{"hour": 11, "minute": 48}
